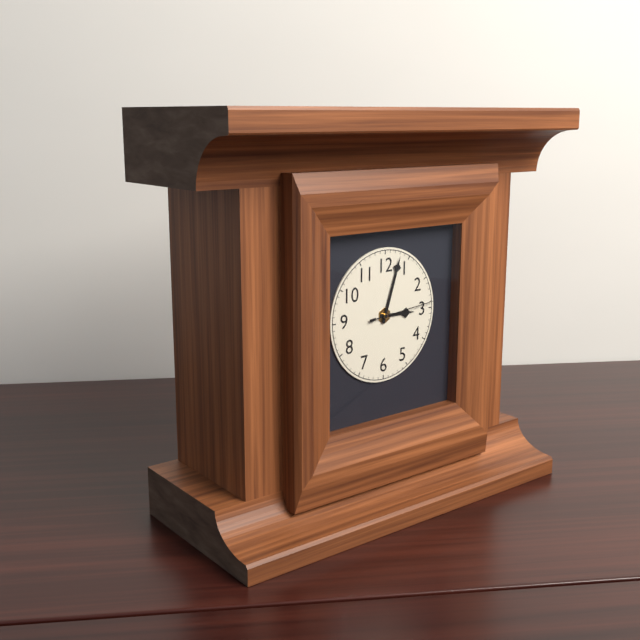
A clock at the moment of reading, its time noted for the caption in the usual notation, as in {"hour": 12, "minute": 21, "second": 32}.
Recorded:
{"hour": 3, "minute": 3, "second": 14}
